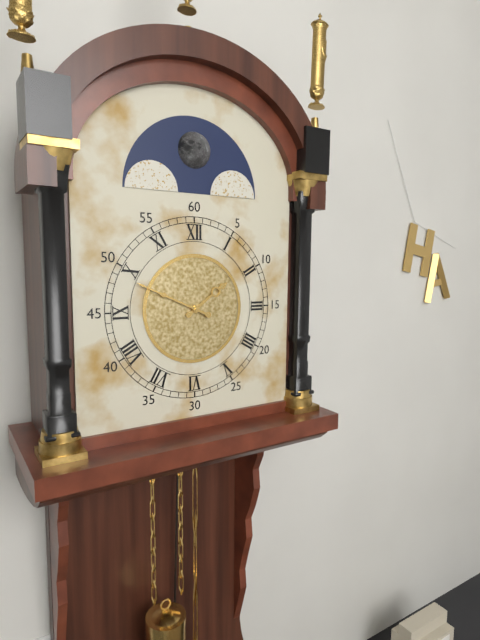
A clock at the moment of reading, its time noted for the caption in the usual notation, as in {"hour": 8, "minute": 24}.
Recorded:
{"hour": 1, "minute": 49}
